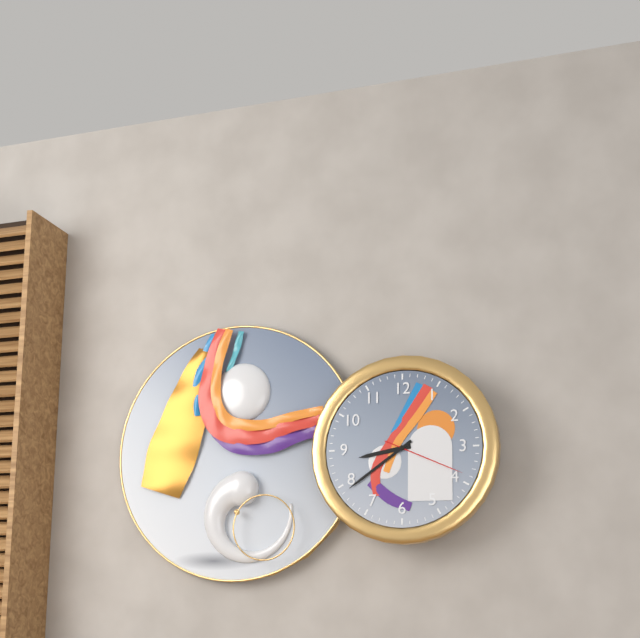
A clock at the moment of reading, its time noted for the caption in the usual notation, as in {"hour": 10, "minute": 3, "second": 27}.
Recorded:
{"hour": 8, "minute": 39, "second": 19}
